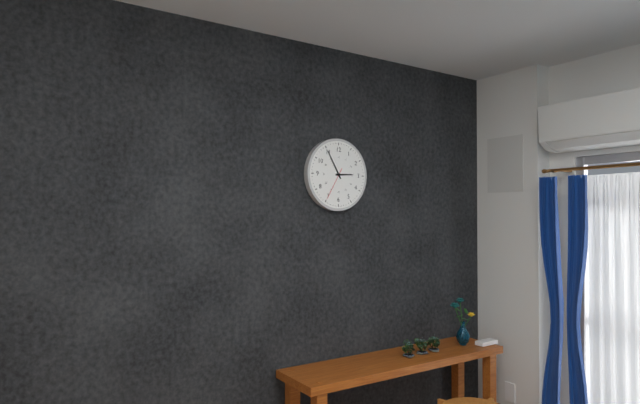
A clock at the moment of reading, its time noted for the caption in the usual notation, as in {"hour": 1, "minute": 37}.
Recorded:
{"hour": 2, "minute": 55}
